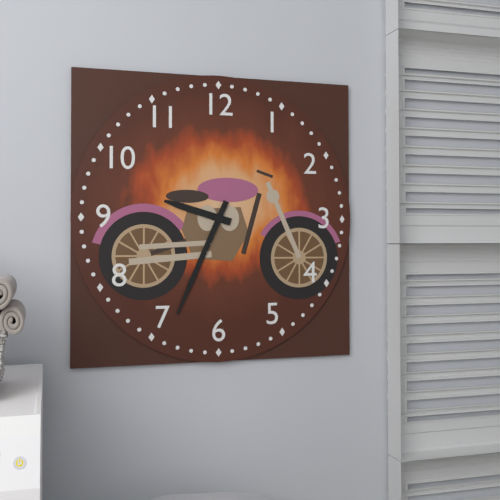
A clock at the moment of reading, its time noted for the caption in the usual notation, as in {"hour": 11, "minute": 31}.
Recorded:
{"hour": 9, "minute": 34}
